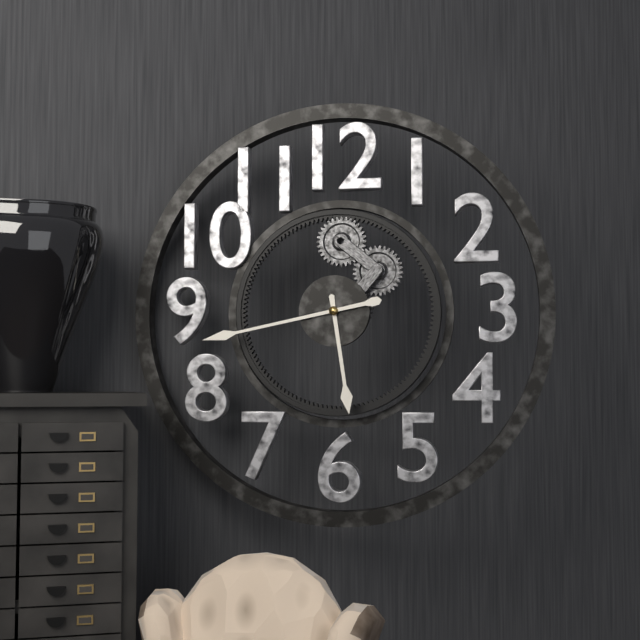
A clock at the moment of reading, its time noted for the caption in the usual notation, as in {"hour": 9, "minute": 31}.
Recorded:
{"hour": 5, "minute": 43}
